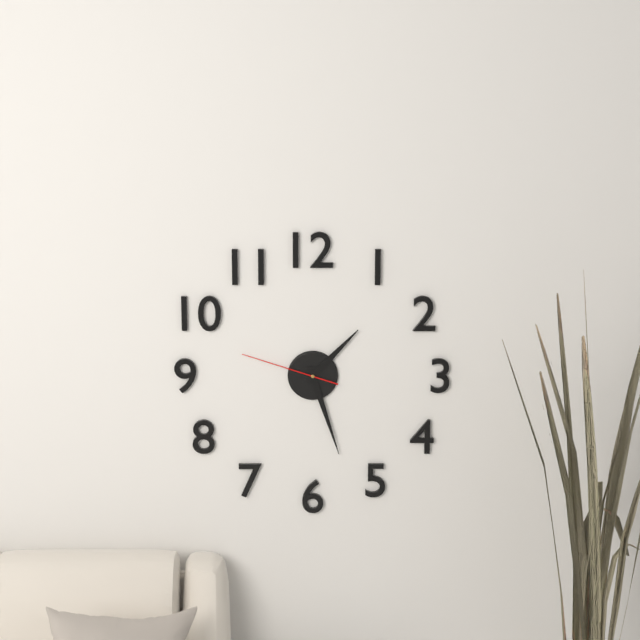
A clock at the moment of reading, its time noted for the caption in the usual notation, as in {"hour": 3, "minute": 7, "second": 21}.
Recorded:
{"hour": 1, "minute": 27, "second": 48}
